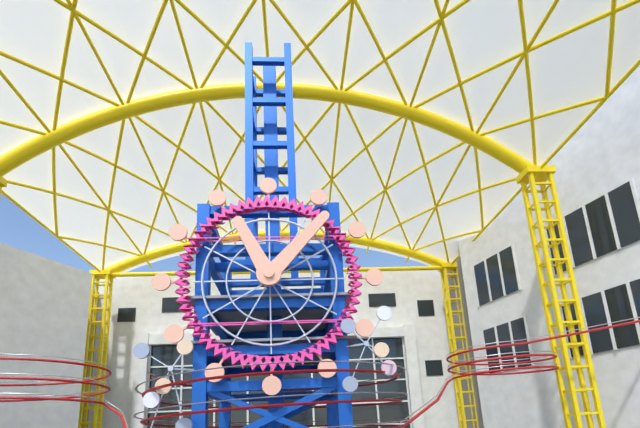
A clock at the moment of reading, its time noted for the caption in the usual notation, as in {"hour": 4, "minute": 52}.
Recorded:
{"hour": 11, "minute": 7}
